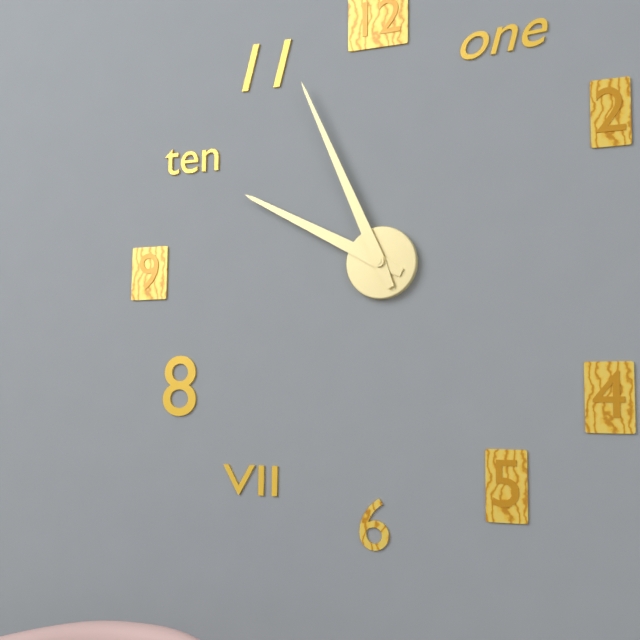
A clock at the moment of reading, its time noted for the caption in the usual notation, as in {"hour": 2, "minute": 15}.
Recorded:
{"hour": 9, "minute": 56}
